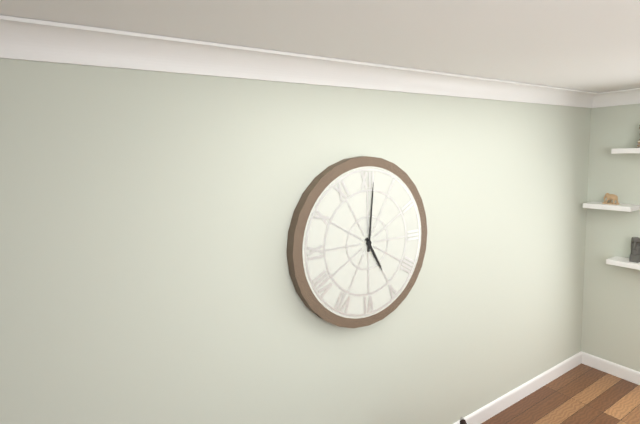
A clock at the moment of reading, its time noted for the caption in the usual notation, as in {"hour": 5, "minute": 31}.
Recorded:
{"hour": 5, "minute": 1}
